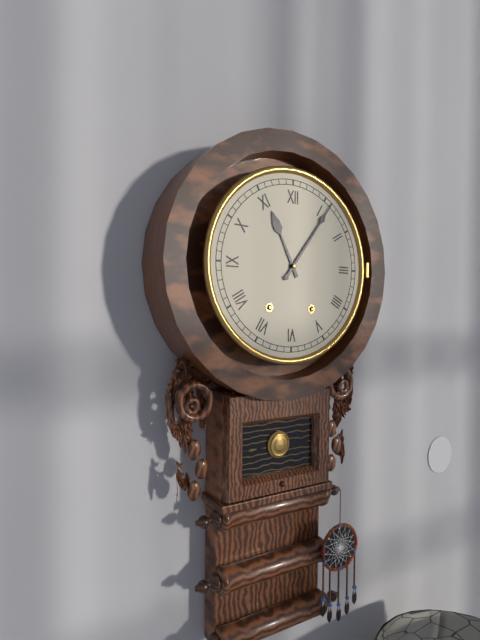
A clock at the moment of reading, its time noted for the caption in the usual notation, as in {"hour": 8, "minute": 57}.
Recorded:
{"hour": 11, "minute": 6}
